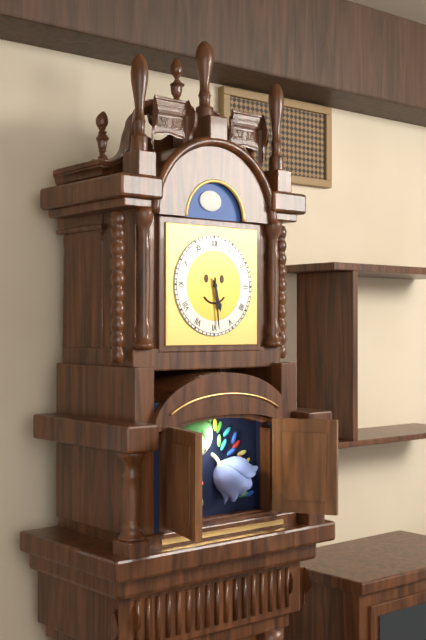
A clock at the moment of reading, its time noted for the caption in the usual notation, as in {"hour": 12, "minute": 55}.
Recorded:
{"hour": 5, "minute": 29}
